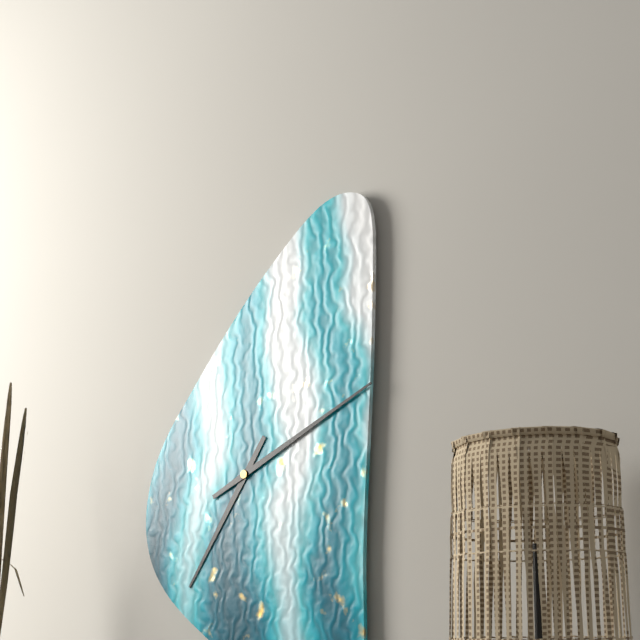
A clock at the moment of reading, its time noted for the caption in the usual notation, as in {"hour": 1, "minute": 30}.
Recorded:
{"hour": 7, "minute": 11}
